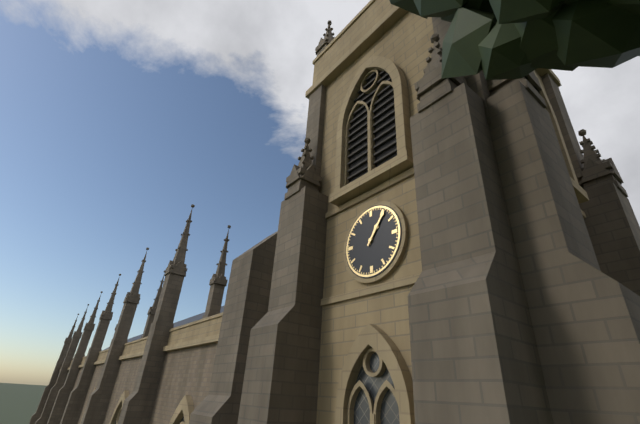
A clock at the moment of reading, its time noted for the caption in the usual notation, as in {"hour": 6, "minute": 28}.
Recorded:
{"hour": 1, "minute": 6}
